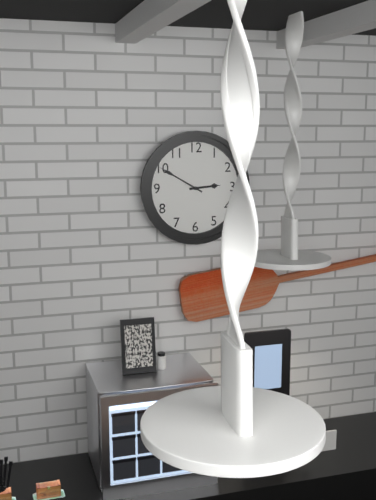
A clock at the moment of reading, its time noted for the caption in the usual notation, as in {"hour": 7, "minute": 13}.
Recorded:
{"hour": 2, "minute": 50}
